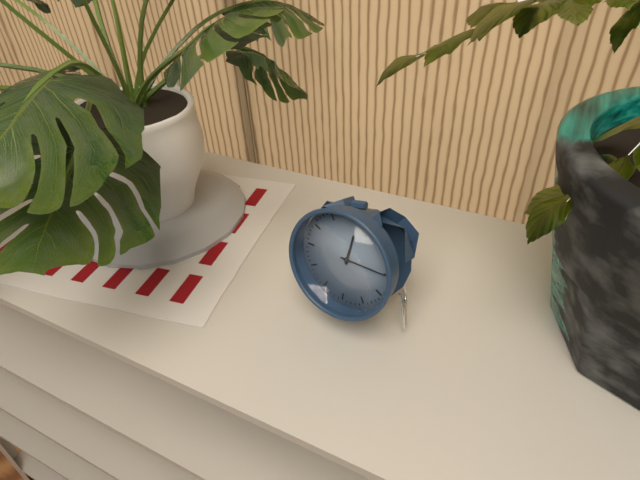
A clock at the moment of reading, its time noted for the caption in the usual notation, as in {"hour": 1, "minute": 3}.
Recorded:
{"hour": 12, "minute": 15}
